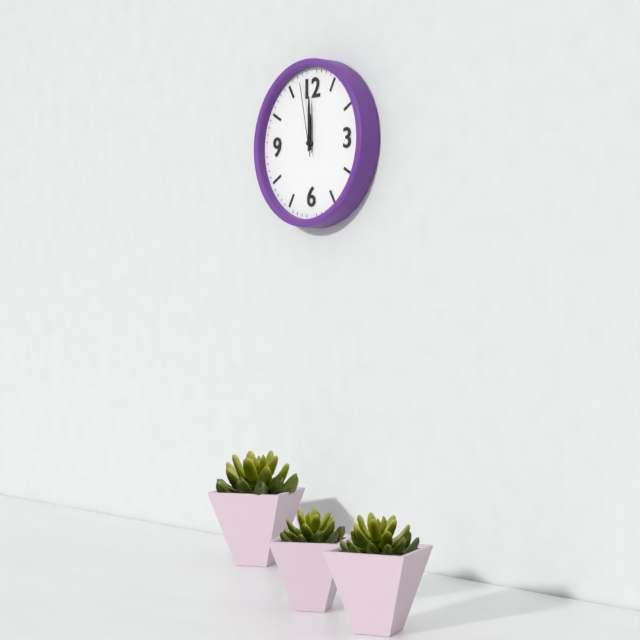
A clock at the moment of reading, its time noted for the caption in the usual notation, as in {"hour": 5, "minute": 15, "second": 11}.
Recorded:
{"hour": 12, "minute": 0, "second": 58}
